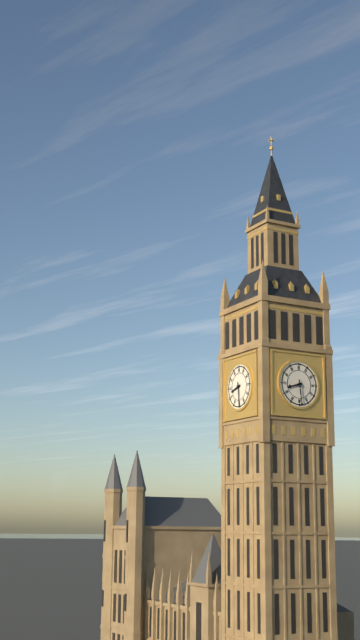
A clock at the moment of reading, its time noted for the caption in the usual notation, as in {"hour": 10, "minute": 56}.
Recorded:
{"hour": 8, "minute": 29}
